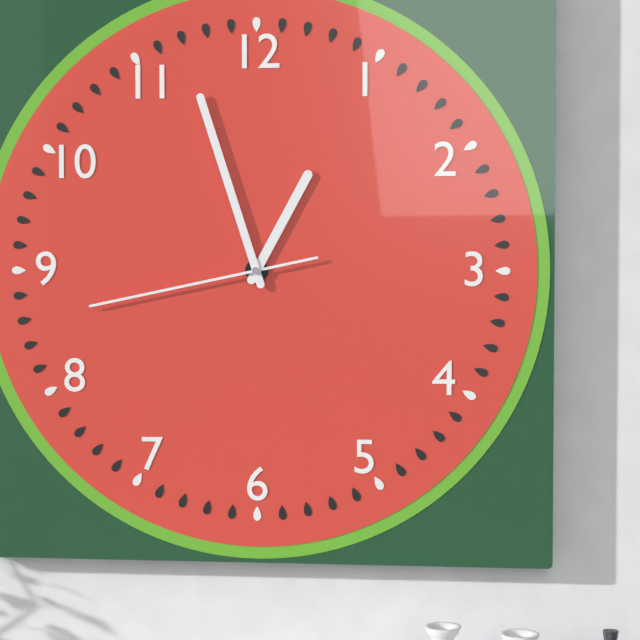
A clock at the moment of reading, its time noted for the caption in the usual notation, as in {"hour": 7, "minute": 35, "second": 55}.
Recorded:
{"hour": 12, "minute": 57, "second": 43}
